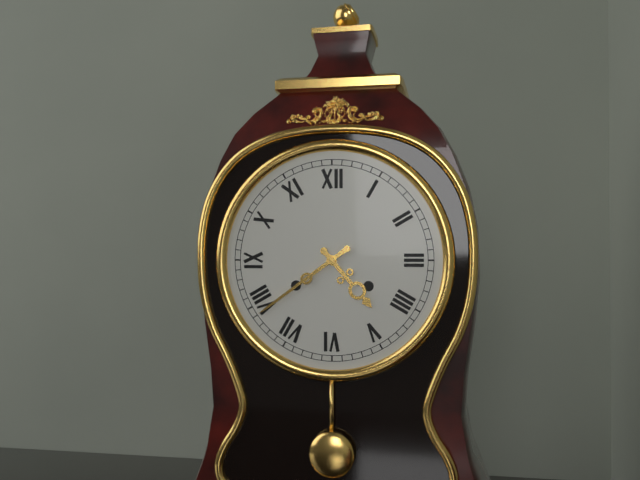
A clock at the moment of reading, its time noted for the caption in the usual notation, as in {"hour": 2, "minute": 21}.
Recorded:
{"hour": 4, "minute": 39}
